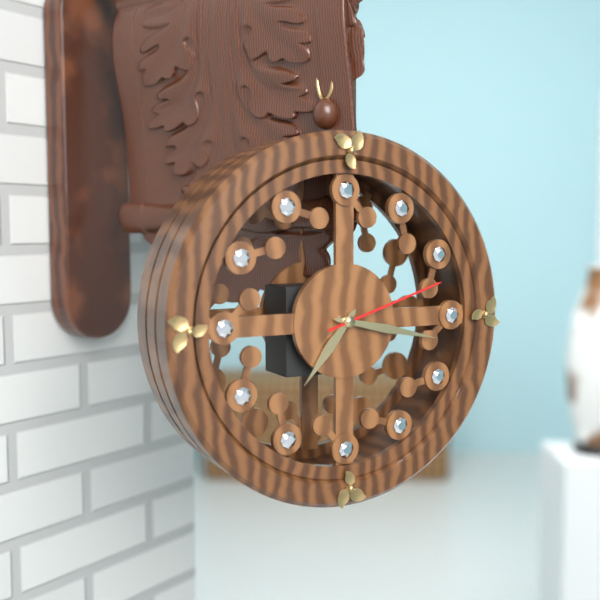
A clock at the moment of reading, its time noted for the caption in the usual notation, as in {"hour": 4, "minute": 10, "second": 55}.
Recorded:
{"hour": 7, "minute": 17, "second": 12}
